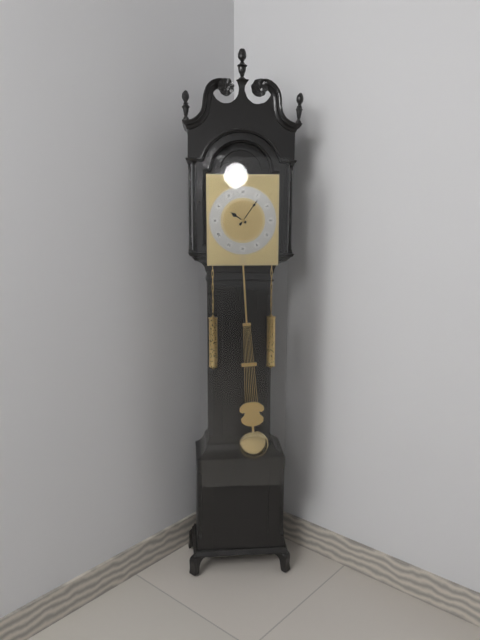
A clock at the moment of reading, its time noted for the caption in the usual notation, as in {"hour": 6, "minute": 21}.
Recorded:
{"hour": 10, "minute": 6}
